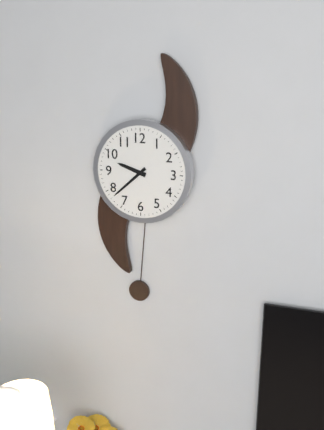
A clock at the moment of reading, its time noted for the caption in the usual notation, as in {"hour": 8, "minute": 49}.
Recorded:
{"hour": 9, "minute": 38}
